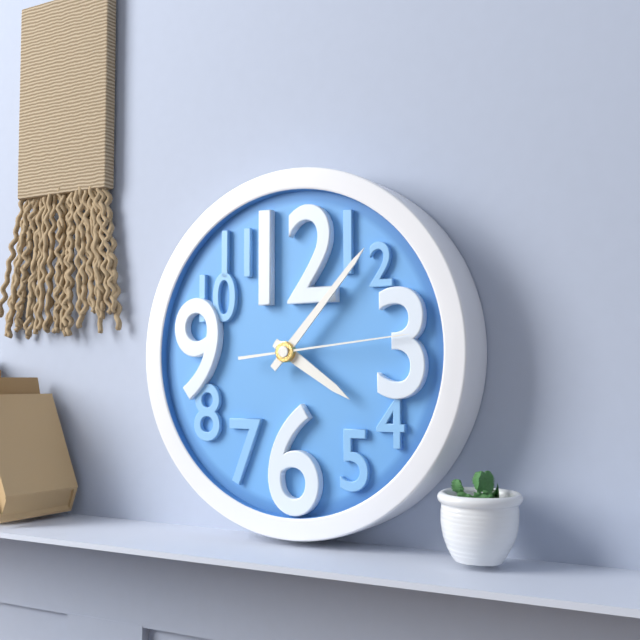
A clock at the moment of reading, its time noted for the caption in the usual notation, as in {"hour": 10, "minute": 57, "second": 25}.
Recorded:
{"hour": 4, "minute": 7, "second": 14}
